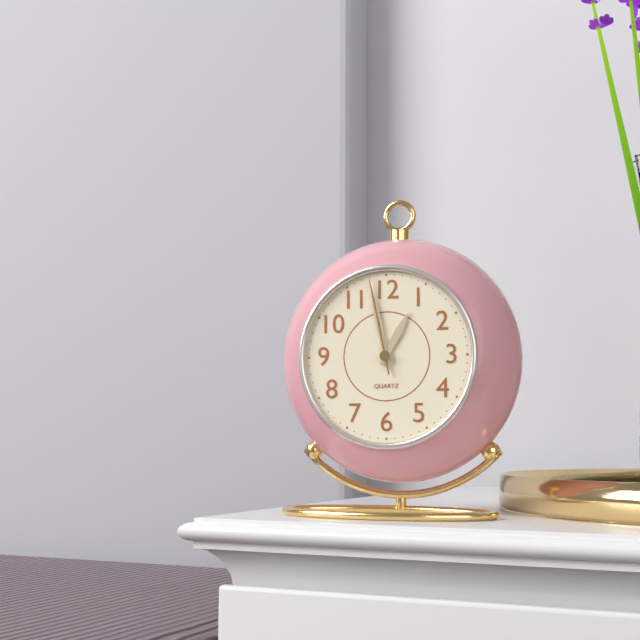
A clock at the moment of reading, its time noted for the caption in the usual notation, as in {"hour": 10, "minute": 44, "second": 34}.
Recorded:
{"hour": 12, "minute": 58, "second": 58}
